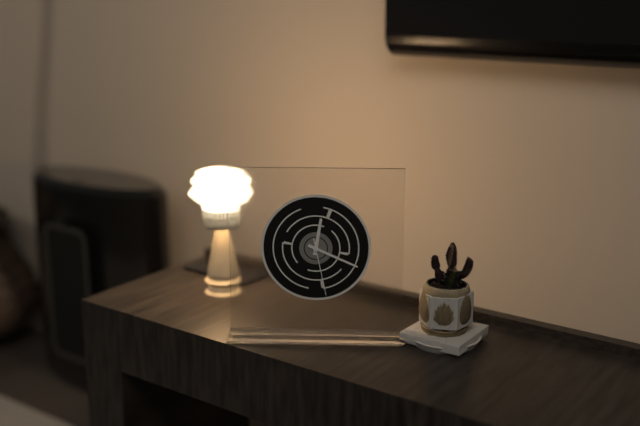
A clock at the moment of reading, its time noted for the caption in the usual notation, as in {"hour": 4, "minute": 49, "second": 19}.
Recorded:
{"hour": 12, "minute": 19, "second": 28}
